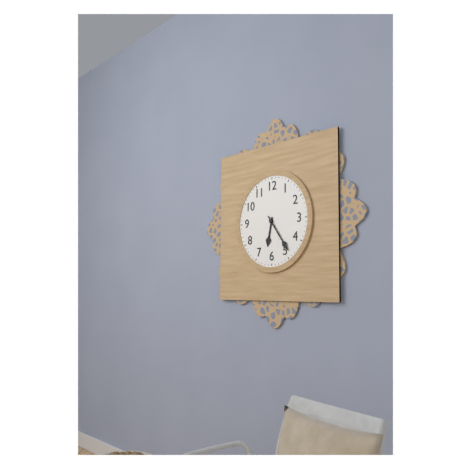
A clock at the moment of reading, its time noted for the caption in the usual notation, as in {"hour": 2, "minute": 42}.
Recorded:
{"hour": 6, "minute": 24}
